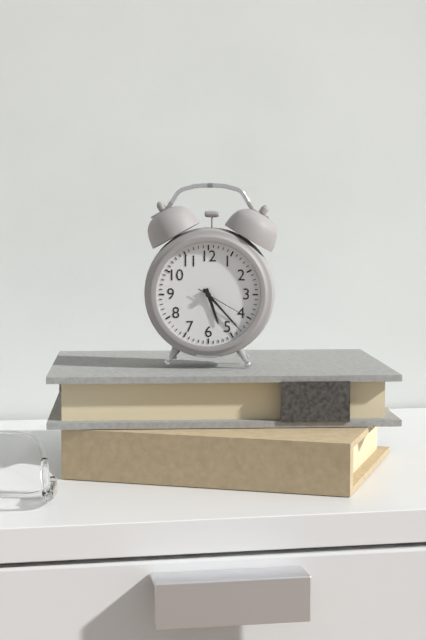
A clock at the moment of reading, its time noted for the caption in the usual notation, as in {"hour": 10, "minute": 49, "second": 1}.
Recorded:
{"hour": 5, "minute": 23, "second": 20}
